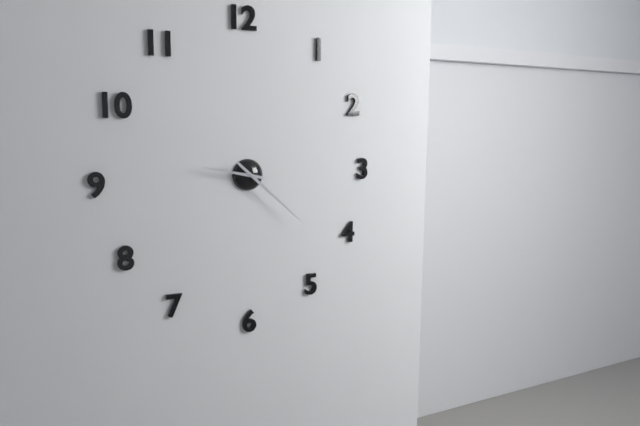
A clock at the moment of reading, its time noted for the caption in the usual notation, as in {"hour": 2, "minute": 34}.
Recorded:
{"hour": 9, "minute": 22}
